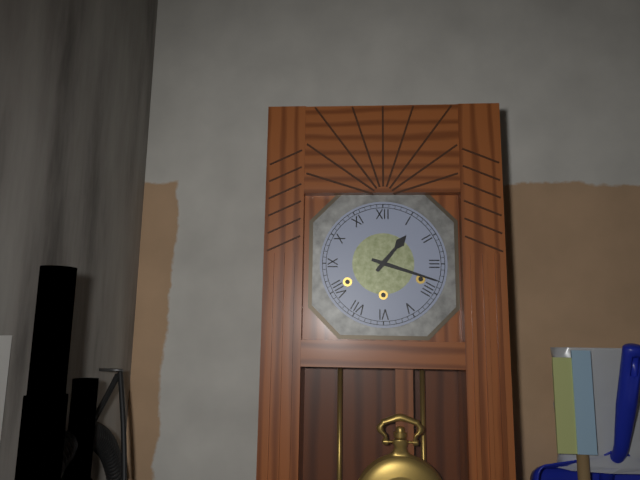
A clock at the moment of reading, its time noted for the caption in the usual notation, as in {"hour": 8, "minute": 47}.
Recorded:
{"hour": 1, "minute": 18}
